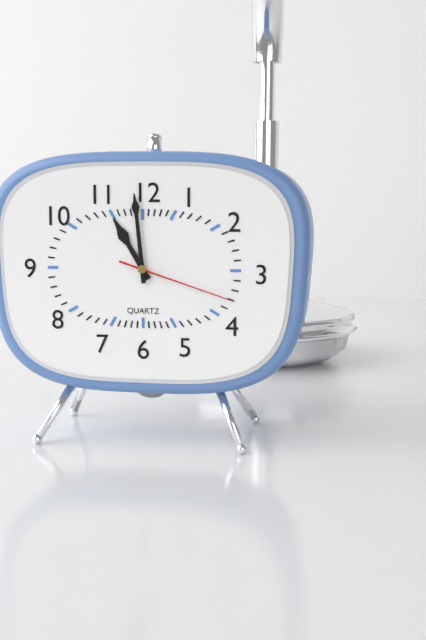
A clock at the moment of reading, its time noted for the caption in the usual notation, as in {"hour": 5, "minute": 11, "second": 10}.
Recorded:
{"hour": 10, "minute": 59, "second": 18}
